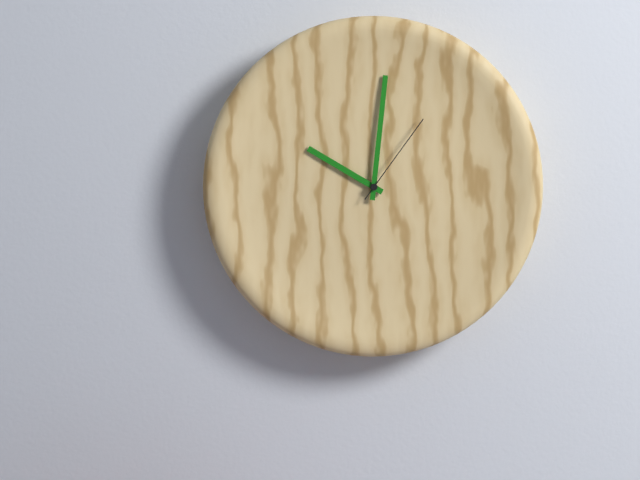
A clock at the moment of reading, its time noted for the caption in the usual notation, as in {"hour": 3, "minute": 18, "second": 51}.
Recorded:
{"hour": 10, "minute": 1, "second": 6}
